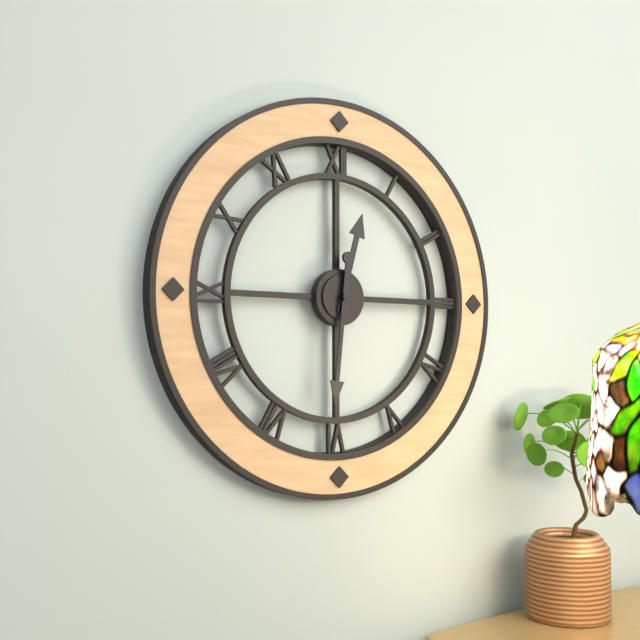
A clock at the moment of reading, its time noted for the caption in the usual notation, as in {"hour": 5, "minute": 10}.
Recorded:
{"hour": 12, "minute": 31}
